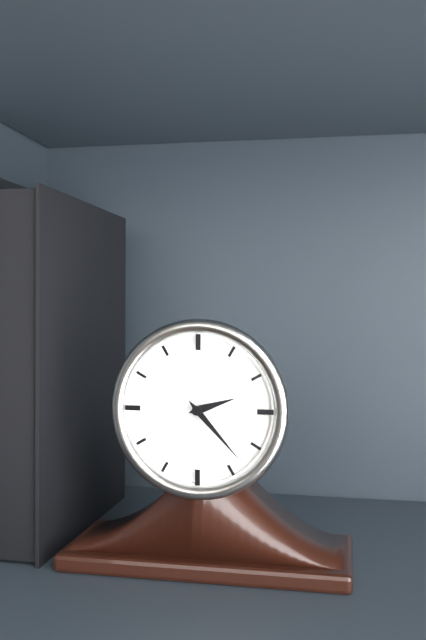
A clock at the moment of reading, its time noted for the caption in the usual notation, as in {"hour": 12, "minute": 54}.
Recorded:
{"hour": 2, "minute": 23}
